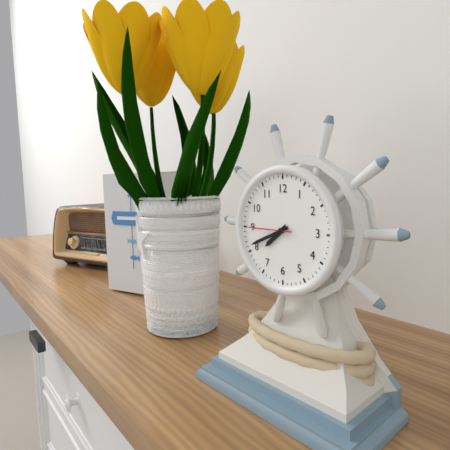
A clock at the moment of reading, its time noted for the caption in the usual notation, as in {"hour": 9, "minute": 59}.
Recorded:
{"hour": 7, "minute": 41}
